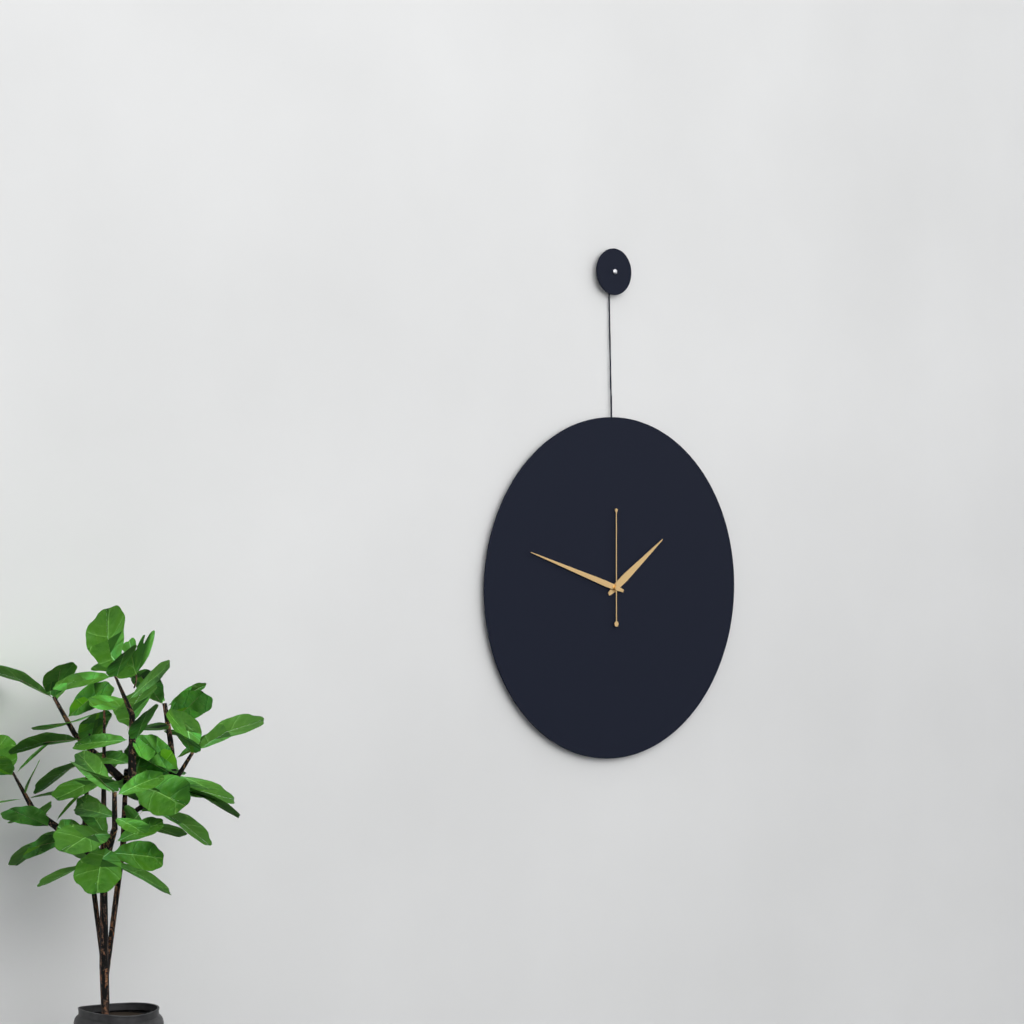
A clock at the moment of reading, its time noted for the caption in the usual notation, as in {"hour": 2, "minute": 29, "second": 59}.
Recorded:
{"hour": 1, "minute": 48, "second": 0}
